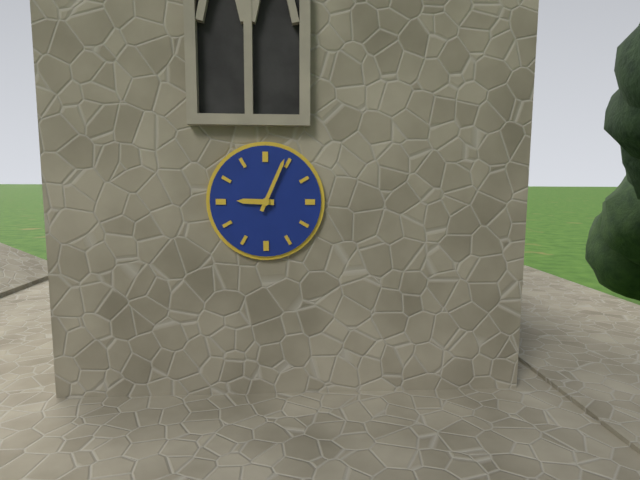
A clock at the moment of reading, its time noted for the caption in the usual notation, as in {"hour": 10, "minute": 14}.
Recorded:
{"hour": 9, "minute": 4}
